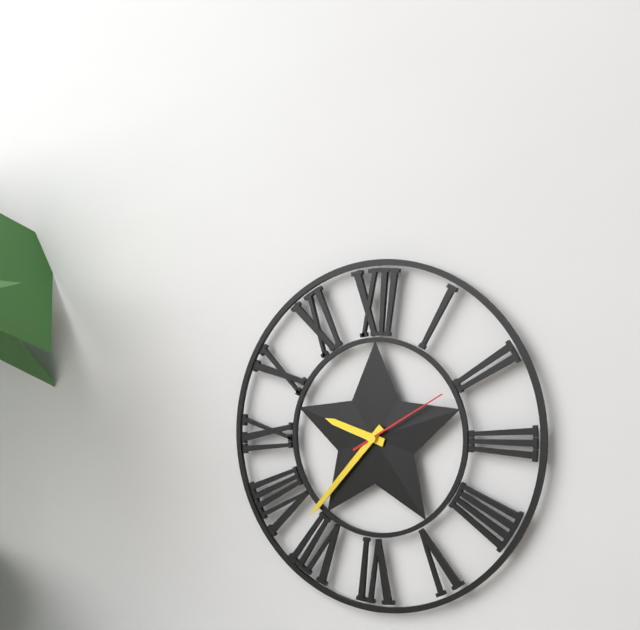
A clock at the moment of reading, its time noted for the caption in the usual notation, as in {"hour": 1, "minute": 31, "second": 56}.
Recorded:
{"hour": 9, "minute": 37, "second": 10}
